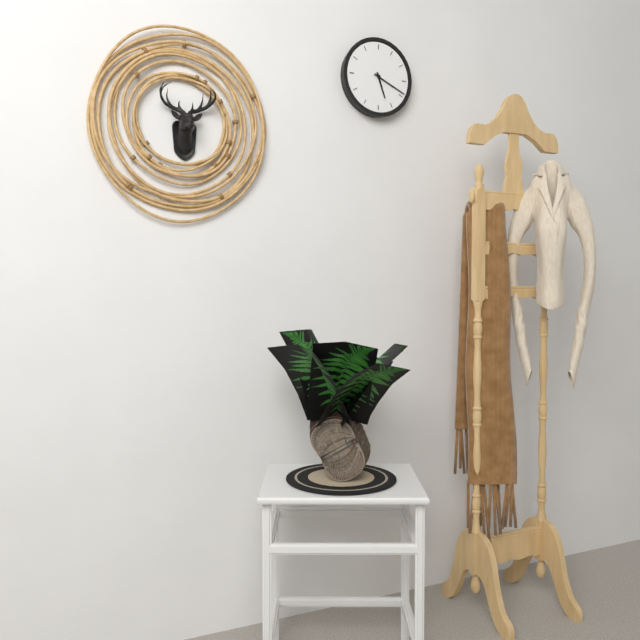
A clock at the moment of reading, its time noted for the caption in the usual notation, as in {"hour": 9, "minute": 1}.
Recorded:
{"hour": 5, "minute": 19}
